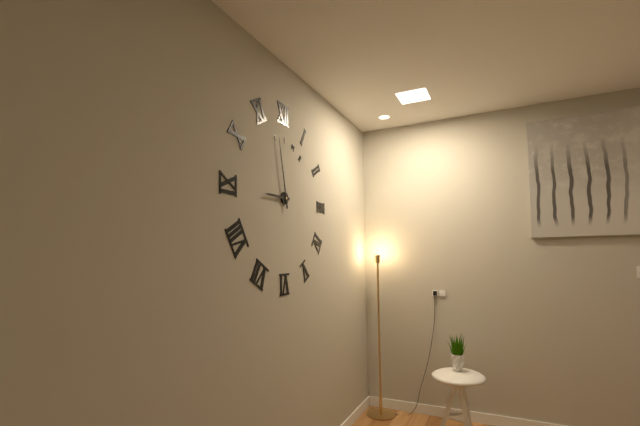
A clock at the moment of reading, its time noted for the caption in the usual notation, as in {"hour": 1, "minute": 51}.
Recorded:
{"hour": 8, "minute": 58}
